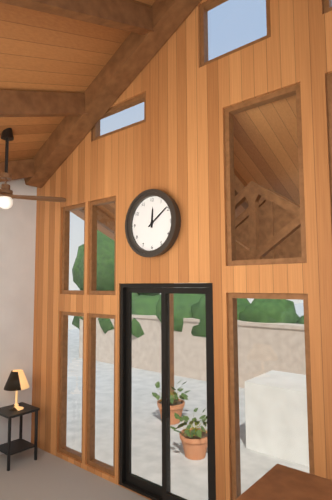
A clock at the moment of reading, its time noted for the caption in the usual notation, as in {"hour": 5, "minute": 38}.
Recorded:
{"hour": 12, "minute": 9}
